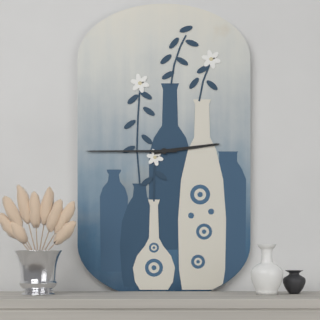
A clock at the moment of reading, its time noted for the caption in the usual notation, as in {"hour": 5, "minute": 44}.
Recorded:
{"hour": 2, "minute": 45}
